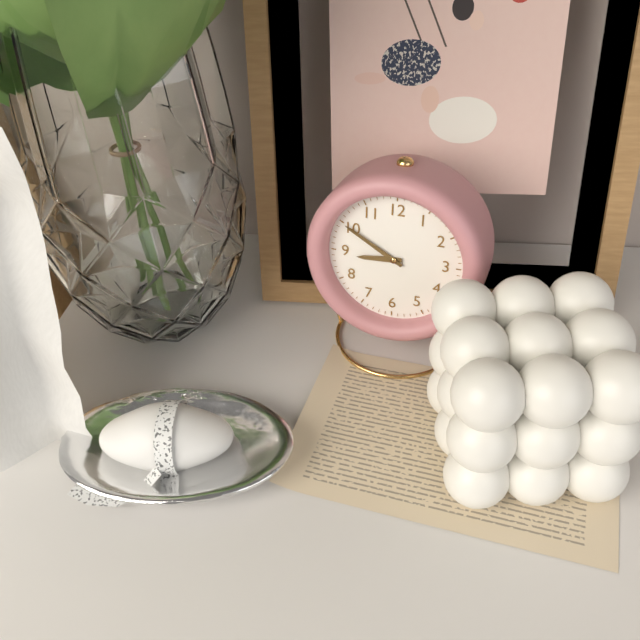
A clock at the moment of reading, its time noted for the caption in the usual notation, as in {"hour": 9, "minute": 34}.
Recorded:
{"hour": 8, "minute": 50}
